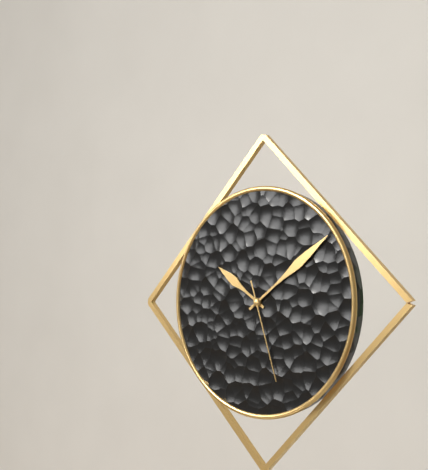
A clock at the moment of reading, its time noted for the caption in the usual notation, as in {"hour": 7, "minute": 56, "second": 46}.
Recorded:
{"hour": 10, "minute": 9, "second": 27}
